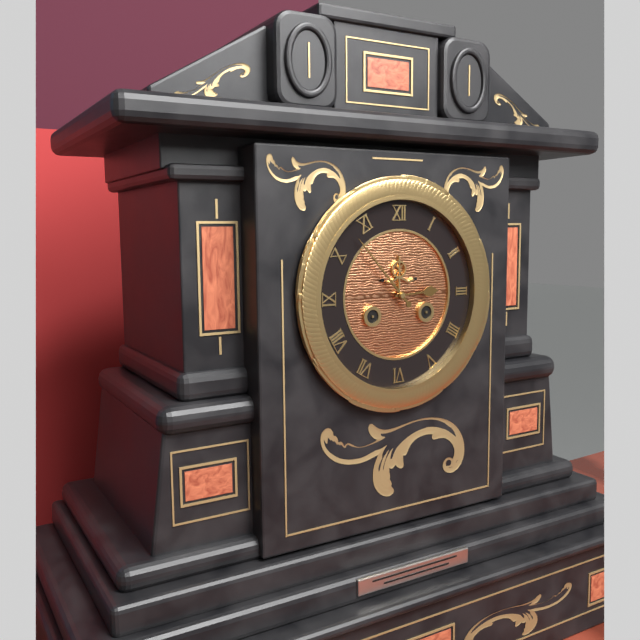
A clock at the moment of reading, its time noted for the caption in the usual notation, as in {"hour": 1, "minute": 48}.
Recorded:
{"hour": 2, "minute": 53}
